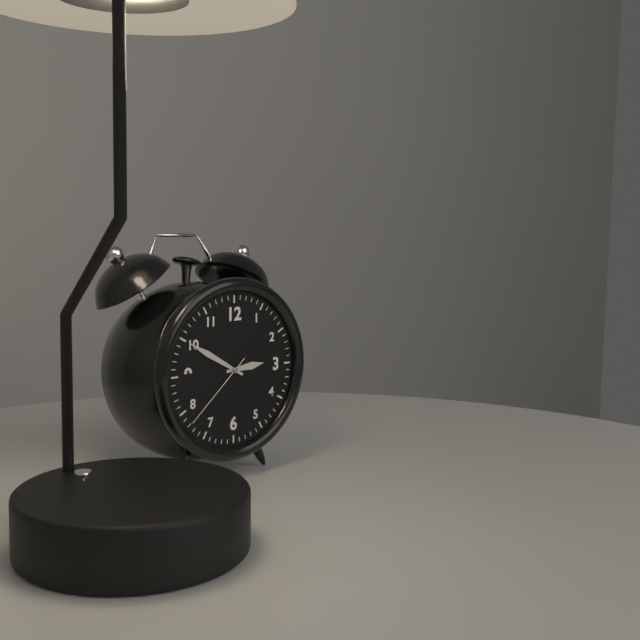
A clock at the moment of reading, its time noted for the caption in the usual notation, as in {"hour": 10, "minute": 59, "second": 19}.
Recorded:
{"hour": 2, "minute": 50, "second": 38}
